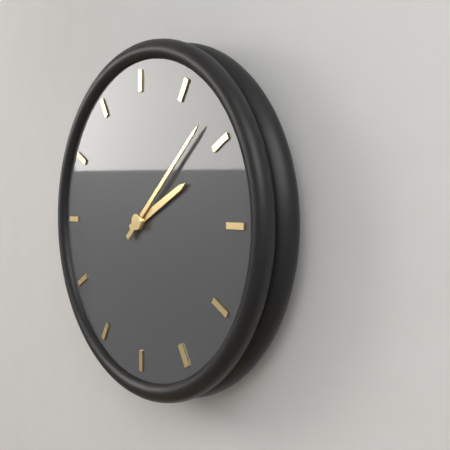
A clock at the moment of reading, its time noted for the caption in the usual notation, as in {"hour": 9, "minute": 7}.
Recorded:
{"hour": 2, "minute": 8}
